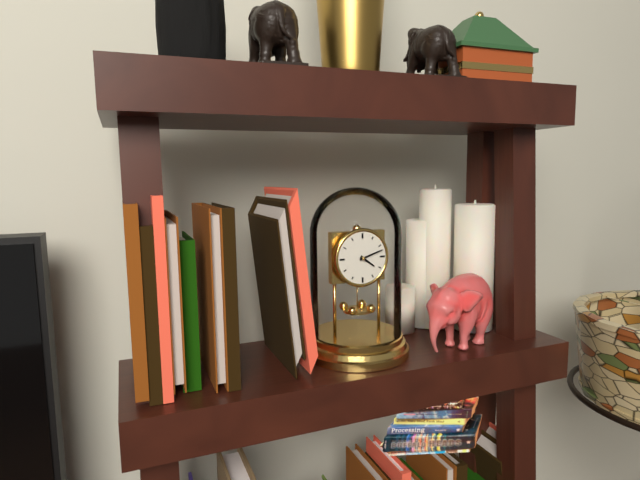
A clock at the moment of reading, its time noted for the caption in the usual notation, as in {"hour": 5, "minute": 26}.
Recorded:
{"hour": 4, "minute": 12}
